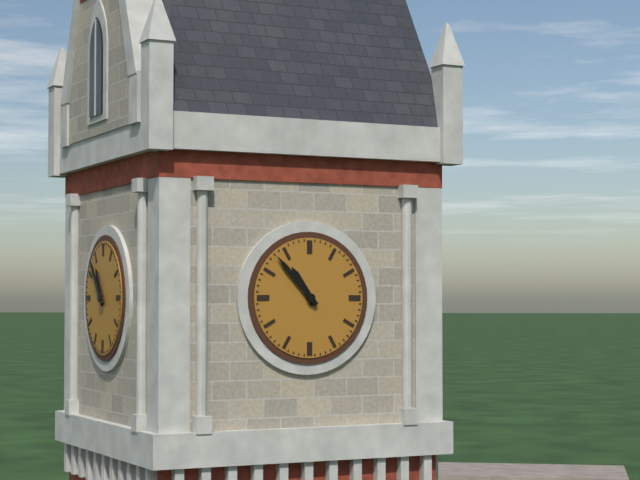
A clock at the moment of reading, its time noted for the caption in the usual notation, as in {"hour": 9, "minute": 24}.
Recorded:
{"hour": 10, "minute": 53}
